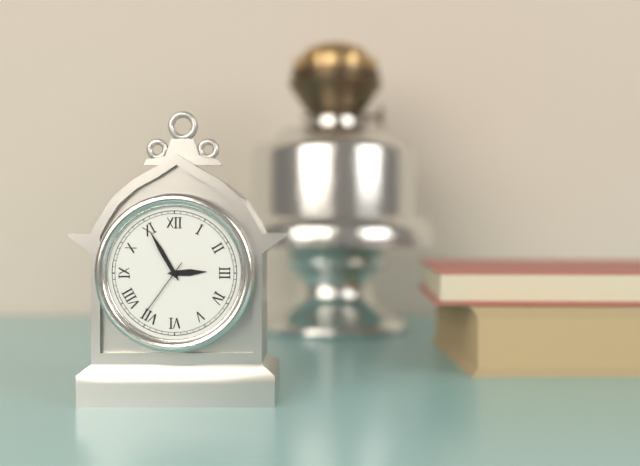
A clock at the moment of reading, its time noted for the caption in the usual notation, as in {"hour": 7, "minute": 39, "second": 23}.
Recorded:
{"hour": 2, "minute": 55, "second": 36}
